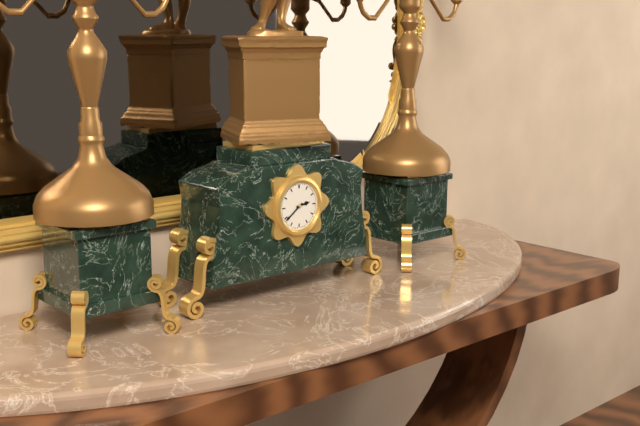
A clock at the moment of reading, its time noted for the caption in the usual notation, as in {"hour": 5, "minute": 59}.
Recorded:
{"hour": 2, "minute": 39}
